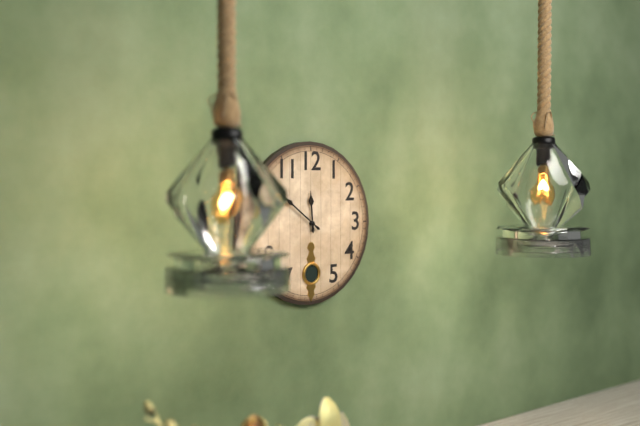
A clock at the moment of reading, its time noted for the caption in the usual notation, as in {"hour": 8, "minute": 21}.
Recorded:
{"hour": 11, "minute": 51}
